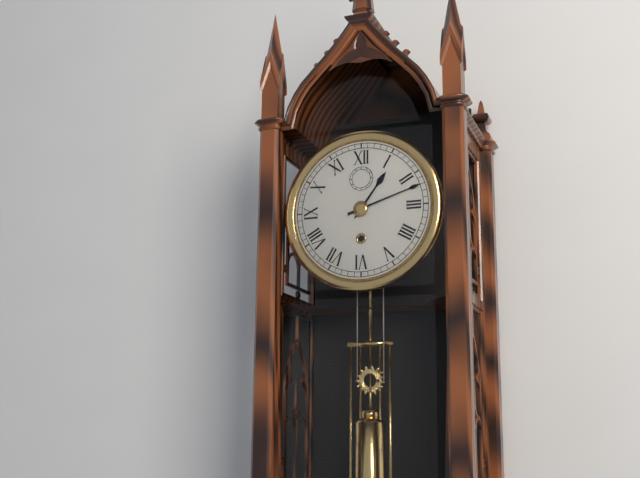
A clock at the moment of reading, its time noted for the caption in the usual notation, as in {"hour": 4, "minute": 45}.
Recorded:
{"hour": 1, "minute": 12}
